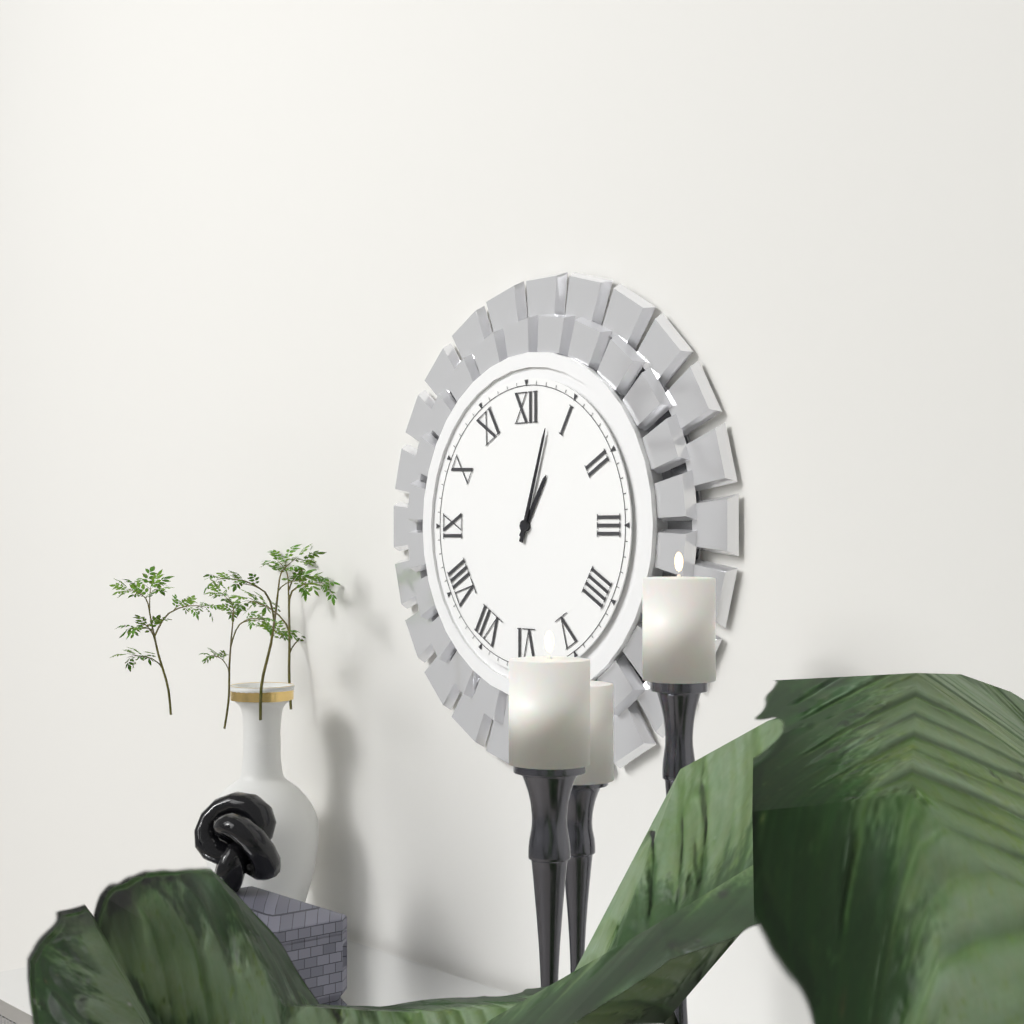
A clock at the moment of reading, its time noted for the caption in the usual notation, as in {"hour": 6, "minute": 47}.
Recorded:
{"hour": 1, "minute": 3}
